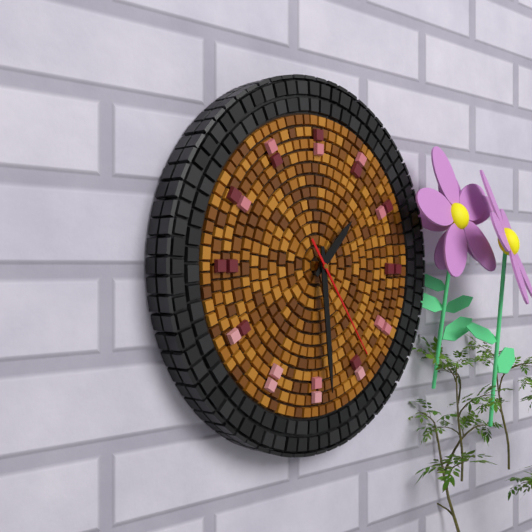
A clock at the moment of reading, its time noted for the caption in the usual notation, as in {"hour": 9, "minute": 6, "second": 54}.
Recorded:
{"hour": 1, "minute": 29, "second": 24}
